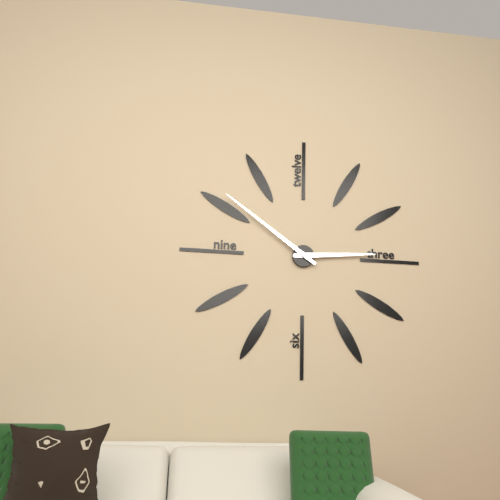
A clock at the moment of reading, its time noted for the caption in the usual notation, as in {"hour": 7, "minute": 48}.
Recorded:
{"hour": 2, "minute": 51}
